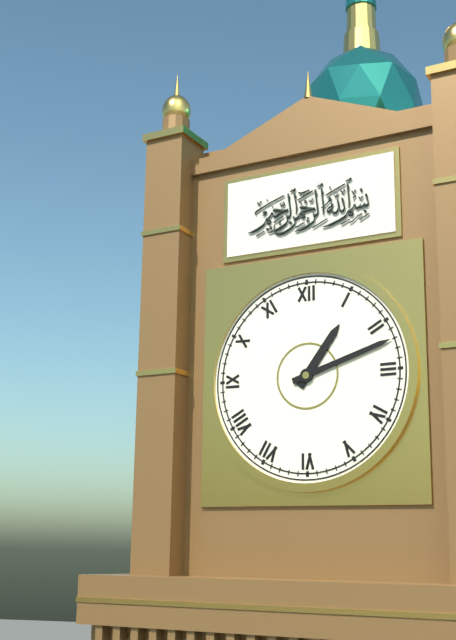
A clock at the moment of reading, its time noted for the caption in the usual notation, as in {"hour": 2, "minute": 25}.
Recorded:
{"hour": 1, "minute": 12}
